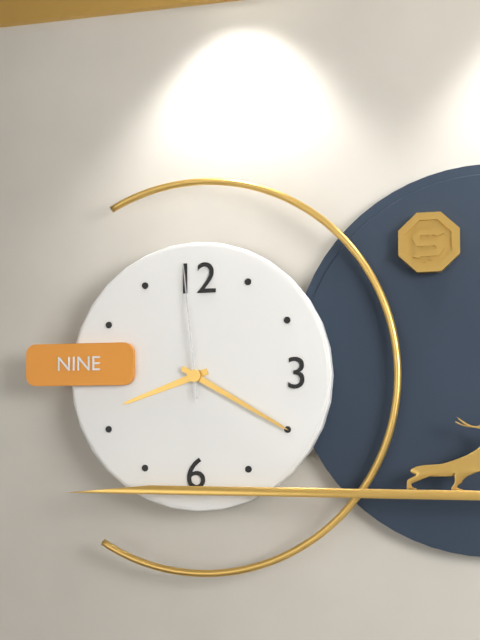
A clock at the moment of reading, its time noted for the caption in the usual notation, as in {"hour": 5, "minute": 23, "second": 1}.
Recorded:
{"hour": 8, "minute": 20, "second": 59}
